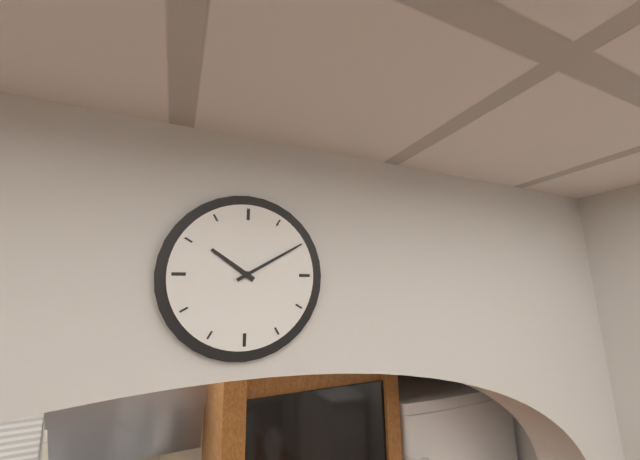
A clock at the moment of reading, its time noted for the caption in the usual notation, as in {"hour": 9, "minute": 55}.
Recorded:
{"hour": 10, "minute": 10}
